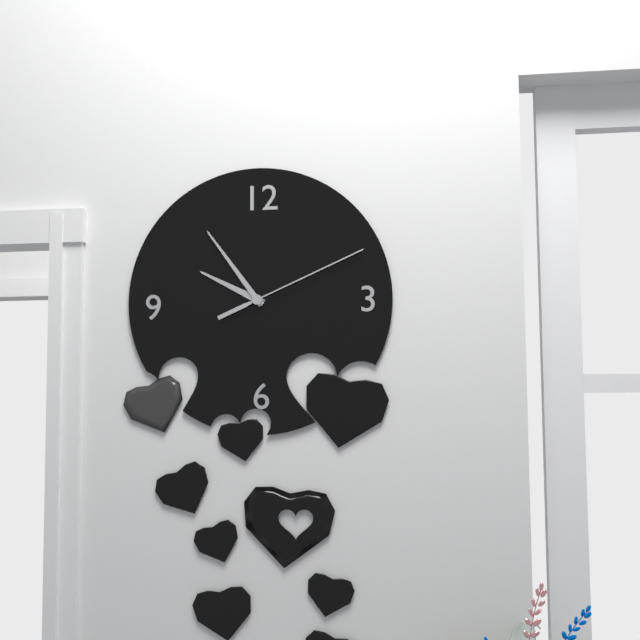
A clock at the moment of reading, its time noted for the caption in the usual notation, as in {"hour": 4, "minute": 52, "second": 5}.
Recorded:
{"hour": 9, "minute": 54, "second": 11}
